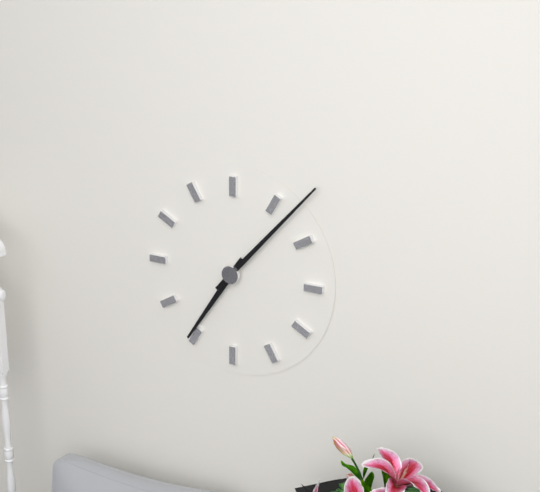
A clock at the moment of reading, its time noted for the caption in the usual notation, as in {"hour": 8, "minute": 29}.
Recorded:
{"hour": 7, "minute": 7}
